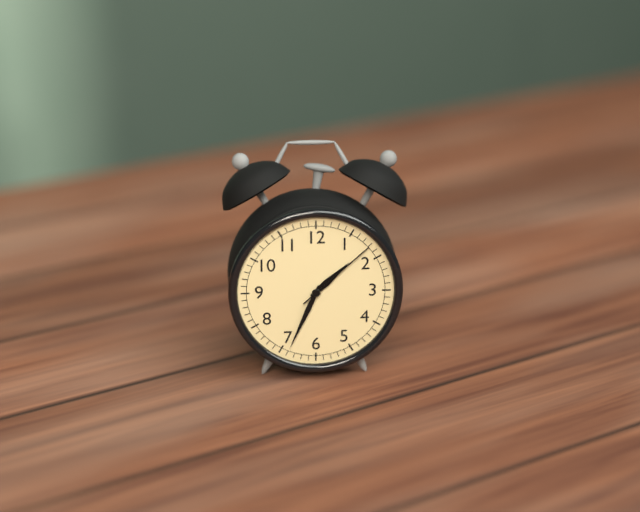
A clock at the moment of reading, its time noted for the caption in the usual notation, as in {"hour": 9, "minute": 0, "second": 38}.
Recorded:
{"hour": 1, "minute": 34, "second": 8}
